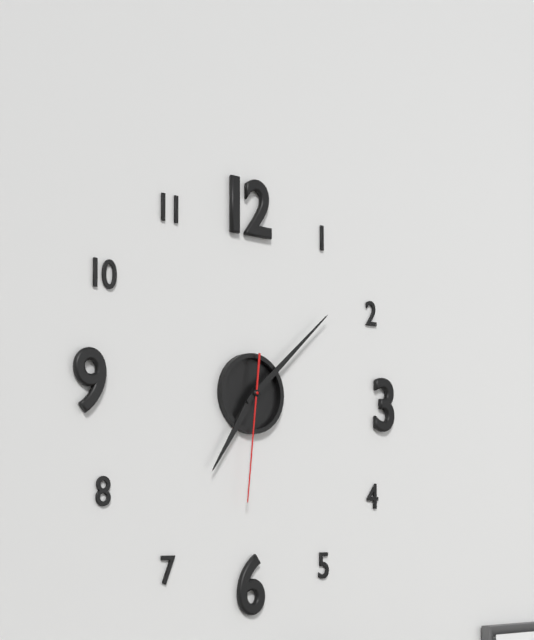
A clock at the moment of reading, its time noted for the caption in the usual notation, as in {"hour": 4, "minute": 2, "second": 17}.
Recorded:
{"hour": 7, "minute": 8, "second": 31}
